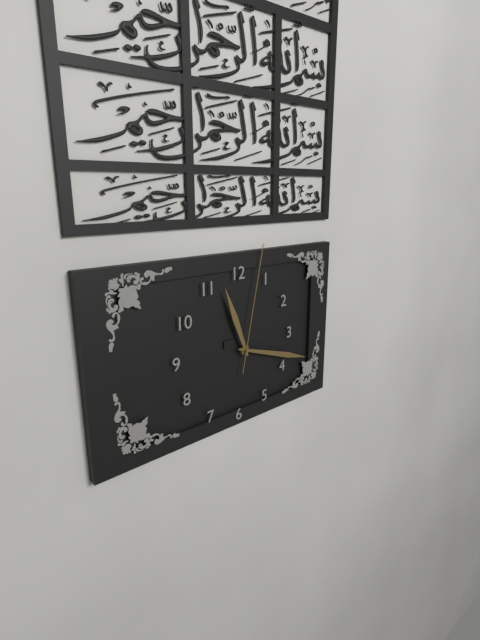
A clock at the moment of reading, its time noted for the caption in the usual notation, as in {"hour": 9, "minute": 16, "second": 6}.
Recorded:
{"hour": 11, "minute": 18, "second": 2}
